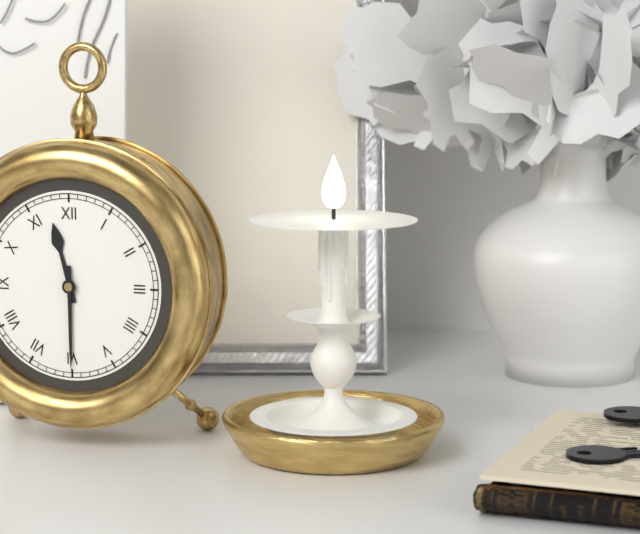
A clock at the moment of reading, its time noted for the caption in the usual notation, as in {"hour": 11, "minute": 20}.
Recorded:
{"hour": 11, "minute": 30}
